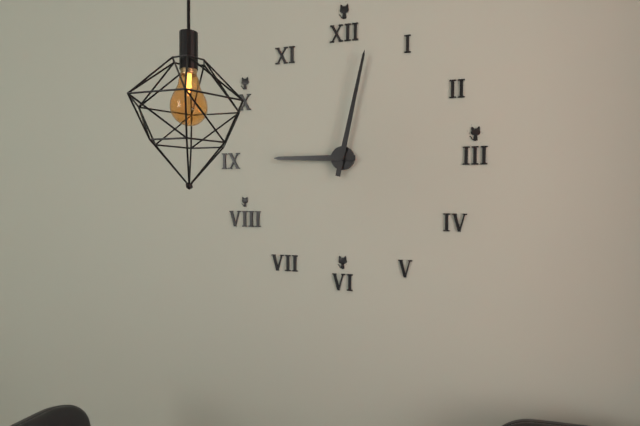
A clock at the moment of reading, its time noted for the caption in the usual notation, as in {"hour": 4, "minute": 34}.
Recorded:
{"hour": 9, "minute": 2}
